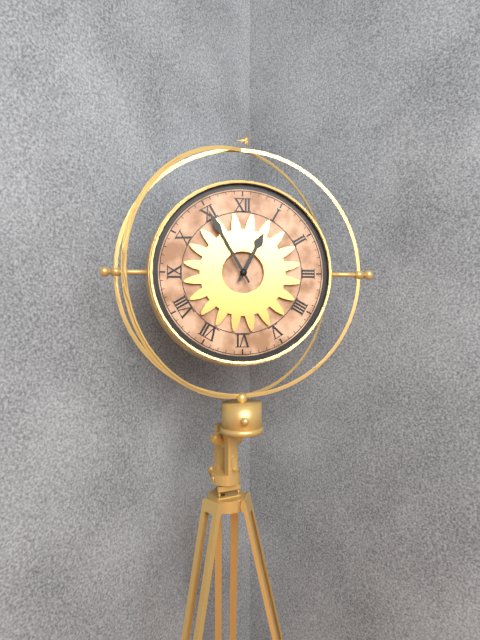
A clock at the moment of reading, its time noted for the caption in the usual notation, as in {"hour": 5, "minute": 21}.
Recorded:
{"hour": 12, "minute": 55}
